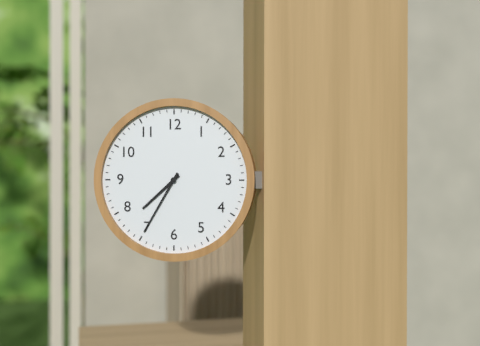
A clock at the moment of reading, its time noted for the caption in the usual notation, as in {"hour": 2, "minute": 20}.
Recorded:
{"hour": 7, "minute": 35}
